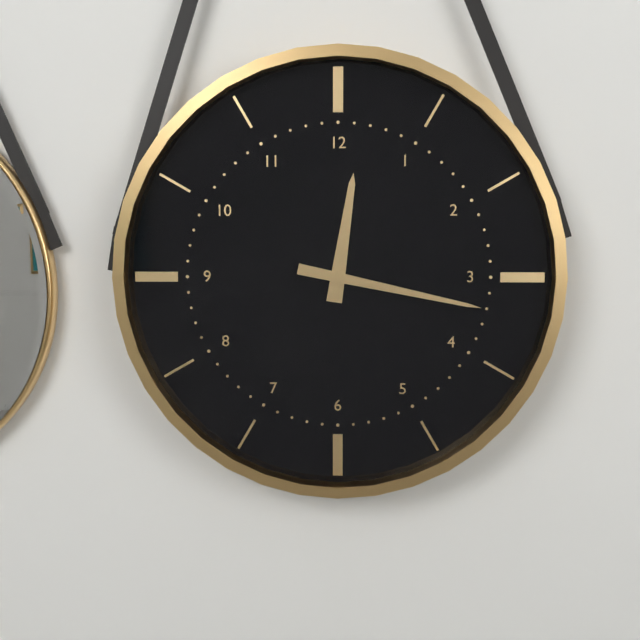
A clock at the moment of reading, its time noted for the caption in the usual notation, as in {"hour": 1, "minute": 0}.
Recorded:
{"hour": 12, "minute": 17}
